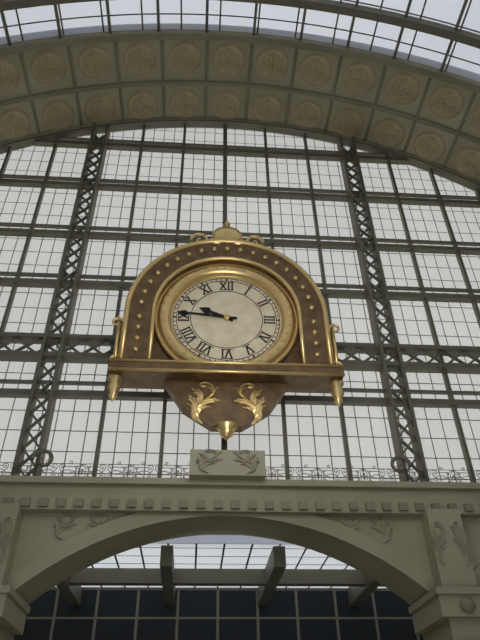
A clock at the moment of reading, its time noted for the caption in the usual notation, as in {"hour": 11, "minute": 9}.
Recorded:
{"hour": 9, "minute": 46}
